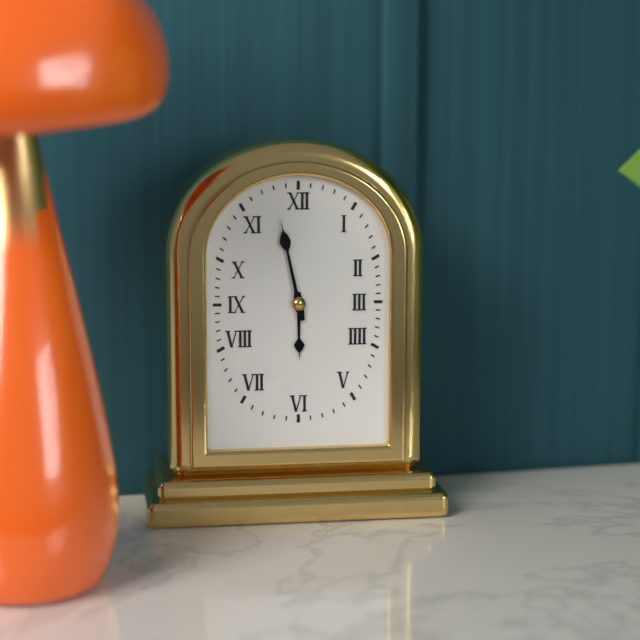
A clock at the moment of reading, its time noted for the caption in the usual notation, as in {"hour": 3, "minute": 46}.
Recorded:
{"hour": 5, "minute": 58}
